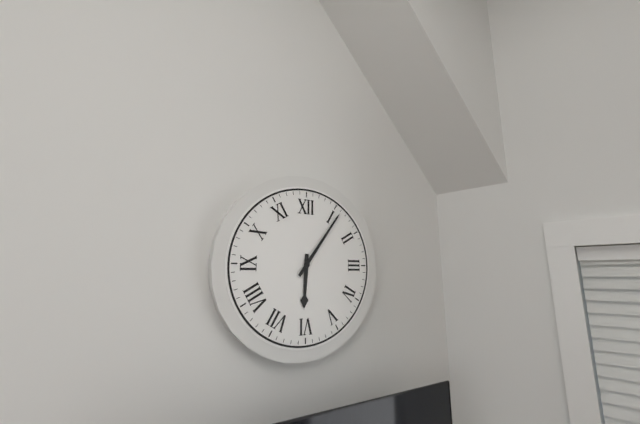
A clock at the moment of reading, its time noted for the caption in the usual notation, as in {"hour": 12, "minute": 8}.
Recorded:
{"hour": 6, "minute": 6}
